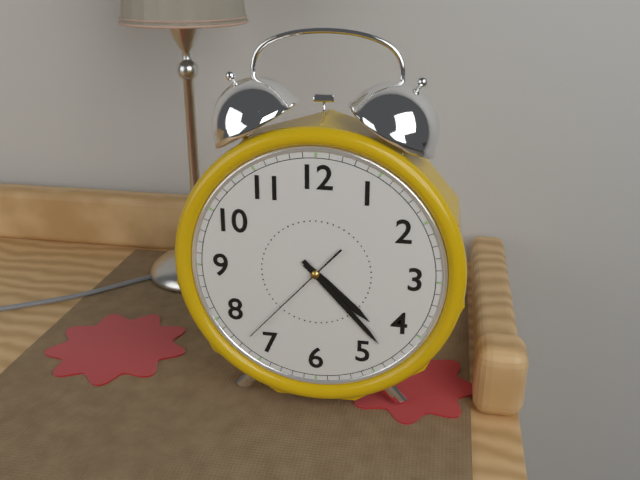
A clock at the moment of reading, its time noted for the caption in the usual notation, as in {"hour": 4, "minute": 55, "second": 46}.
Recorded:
{"hour": 4, "minute": 23, "second": 37}
